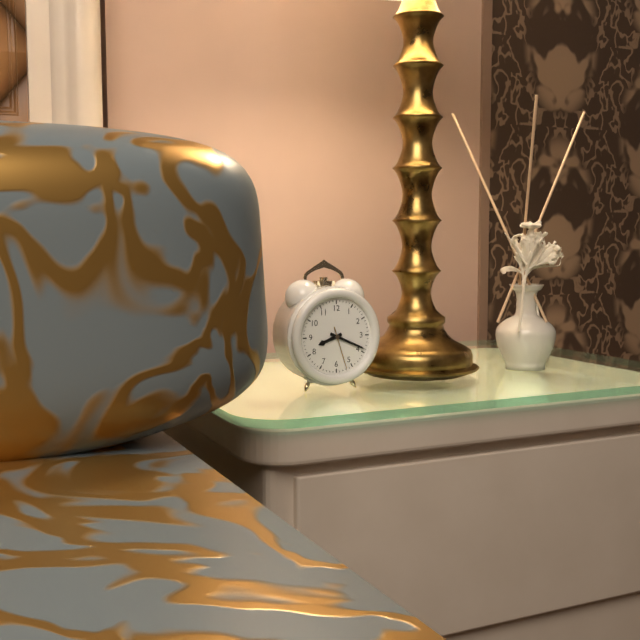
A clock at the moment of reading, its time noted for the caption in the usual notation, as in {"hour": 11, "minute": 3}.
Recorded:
{"hour": 8, "minute": 19}
